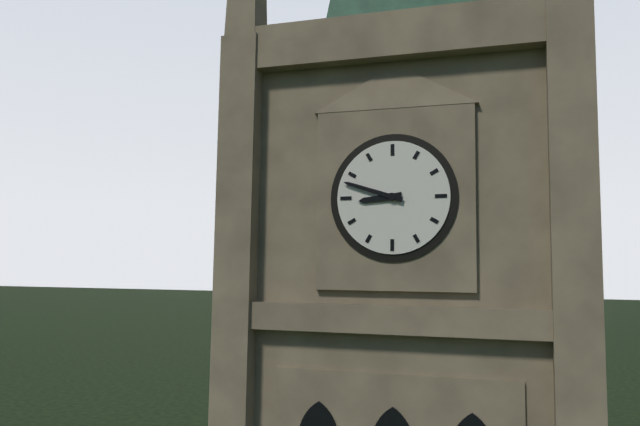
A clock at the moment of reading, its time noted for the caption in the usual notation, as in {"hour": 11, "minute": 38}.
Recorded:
{"hour": 8, "minute": 48}
